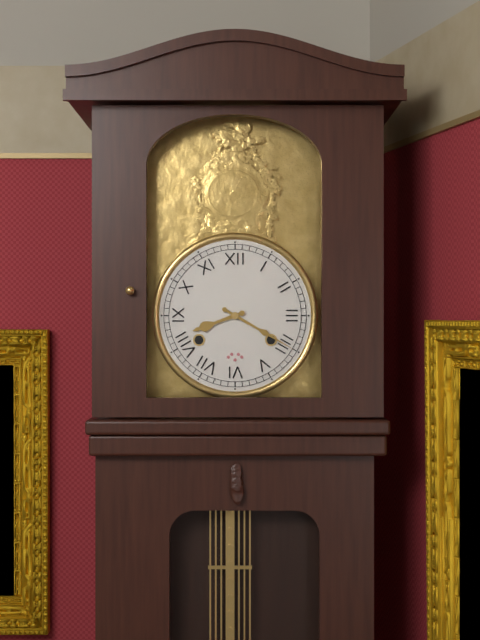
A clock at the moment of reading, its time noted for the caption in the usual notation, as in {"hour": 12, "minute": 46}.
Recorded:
{"hour": 8, "minute": 20}
